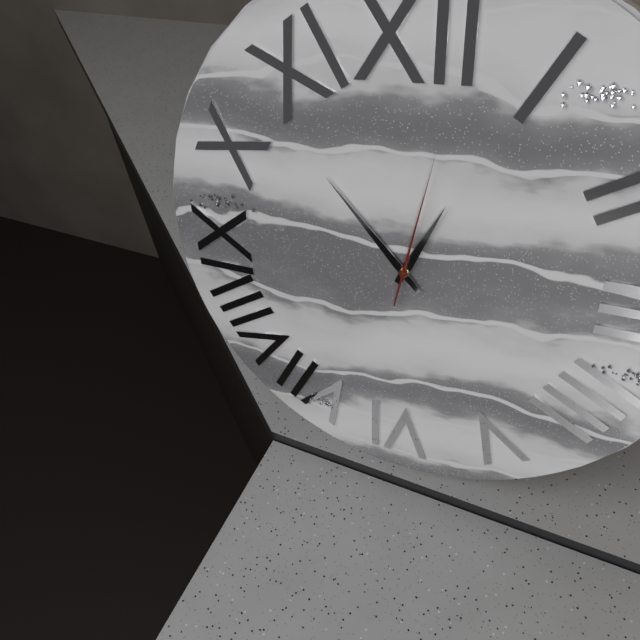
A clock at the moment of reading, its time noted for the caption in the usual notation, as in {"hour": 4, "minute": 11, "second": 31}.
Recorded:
{"hour": 12, "minute": 53, "second": 2}
